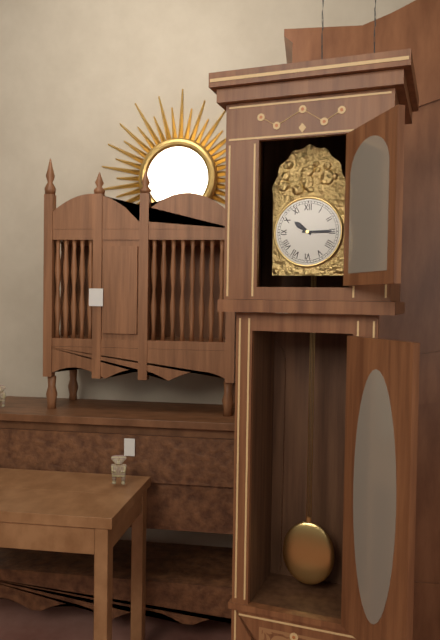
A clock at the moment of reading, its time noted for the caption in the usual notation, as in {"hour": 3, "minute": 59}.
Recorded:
{"hour": 10, "minute": 15}
